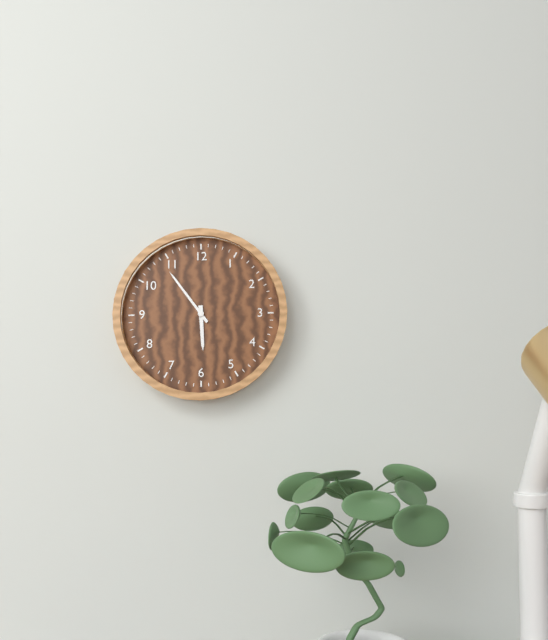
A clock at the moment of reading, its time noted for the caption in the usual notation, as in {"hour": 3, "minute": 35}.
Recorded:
{"hour": 5, "minute": 54}
